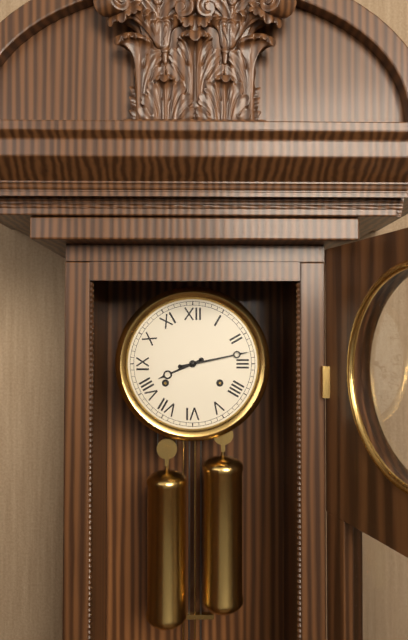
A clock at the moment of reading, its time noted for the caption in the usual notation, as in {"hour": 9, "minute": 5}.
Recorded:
{"hour": 8, "minute": 13}
